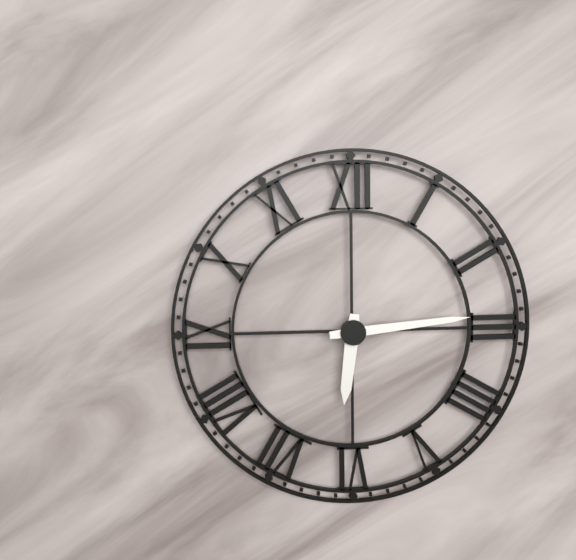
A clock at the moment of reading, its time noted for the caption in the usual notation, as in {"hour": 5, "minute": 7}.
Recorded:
{"hour": 6, "minute": 14}
